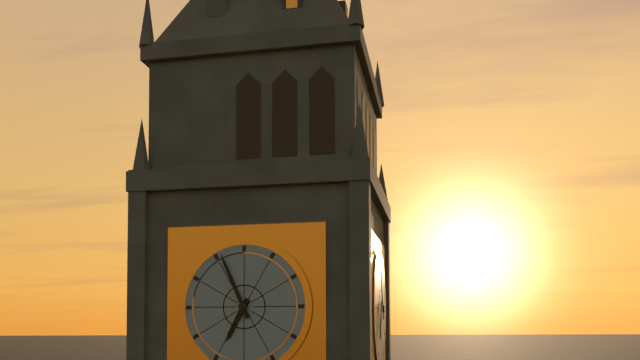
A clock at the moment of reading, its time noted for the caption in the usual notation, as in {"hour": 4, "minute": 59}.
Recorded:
{"hour": 6, "minute": 56}
